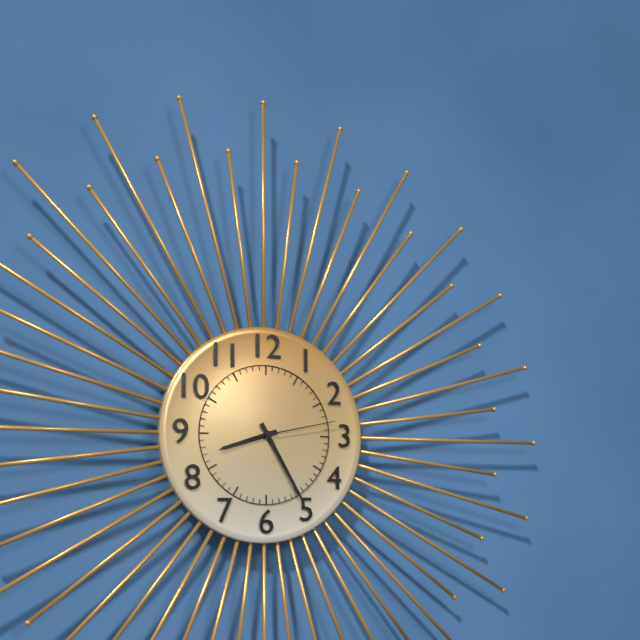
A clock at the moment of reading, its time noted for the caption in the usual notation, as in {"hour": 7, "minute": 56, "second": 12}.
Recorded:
{"hour": 8, "minute": 25, "second": 13}
